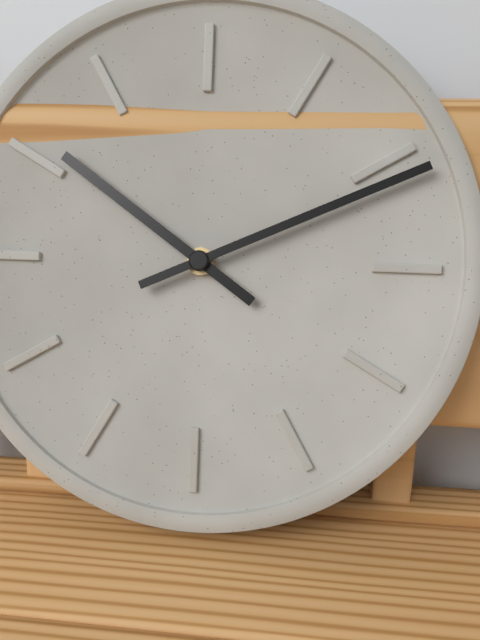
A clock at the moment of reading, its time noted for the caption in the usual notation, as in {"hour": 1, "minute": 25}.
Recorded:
{"hour": 10, "minute": 11}
